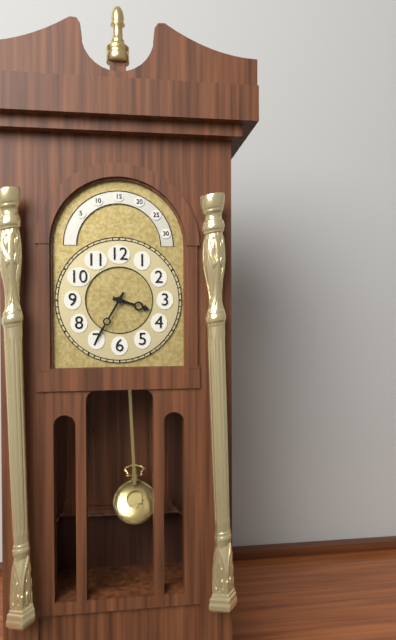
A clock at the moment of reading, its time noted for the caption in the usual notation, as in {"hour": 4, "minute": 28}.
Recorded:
{"hour": 3, "minute": 35}
